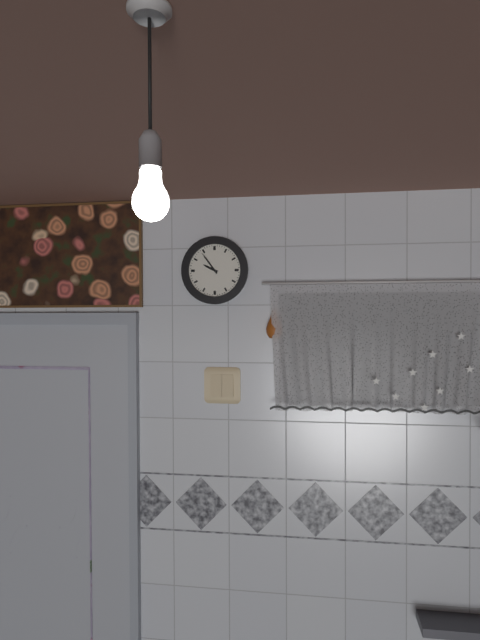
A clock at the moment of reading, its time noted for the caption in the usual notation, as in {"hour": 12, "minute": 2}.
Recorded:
{"hour": 9, "minute": 54}
